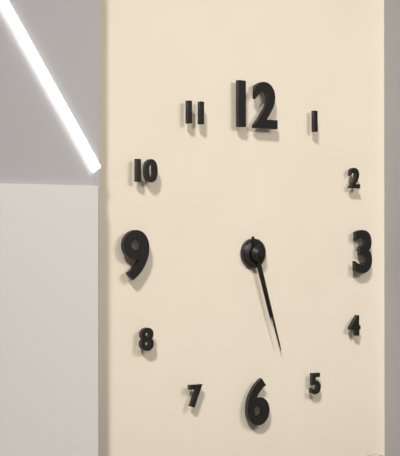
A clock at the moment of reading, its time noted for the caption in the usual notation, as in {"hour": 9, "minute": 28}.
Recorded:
{"hour": 5, "minute": 27}
